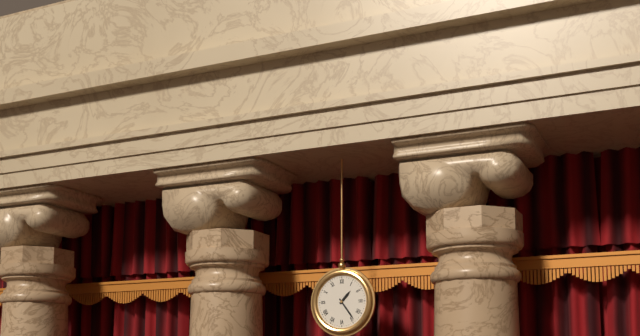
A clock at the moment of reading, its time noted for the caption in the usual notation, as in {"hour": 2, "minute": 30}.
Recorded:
{"hour": 1, "minute": 24}
